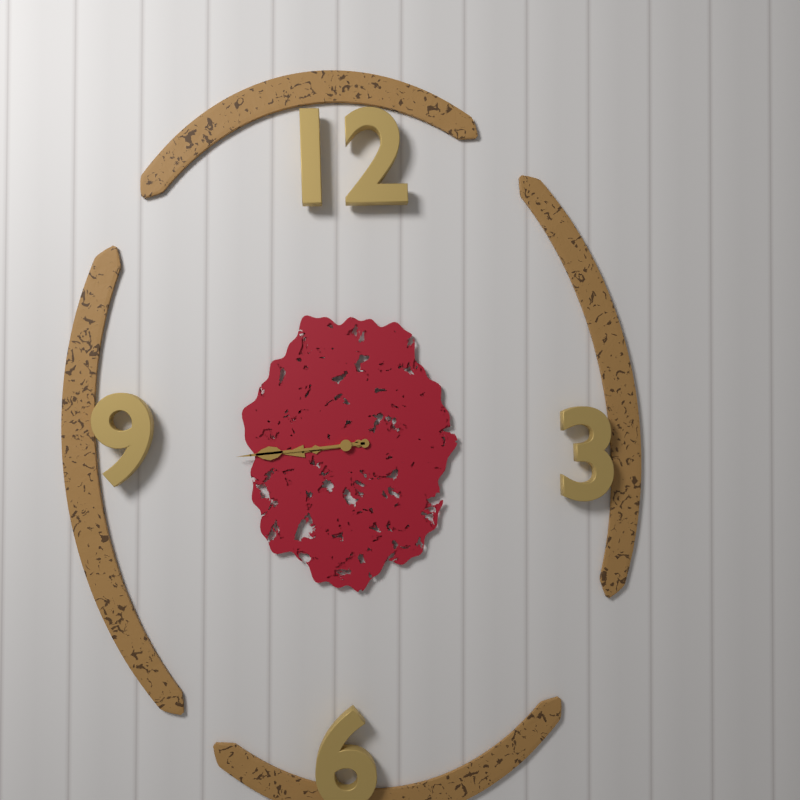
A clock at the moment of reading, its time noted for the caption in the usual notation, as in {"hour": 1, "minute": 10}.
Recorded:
{"hour": 8, "minute": 44}
